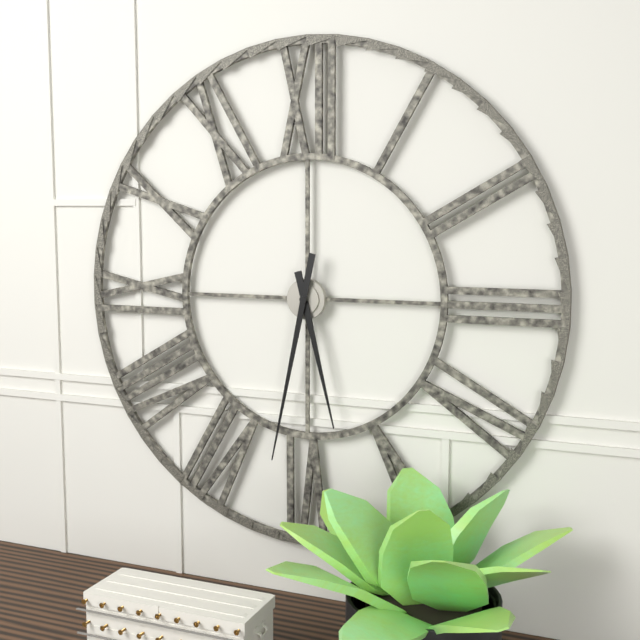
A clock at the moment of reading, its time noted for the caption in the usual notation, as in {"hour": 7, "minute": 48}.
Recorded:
{"hour": 5, "minute": 32}
